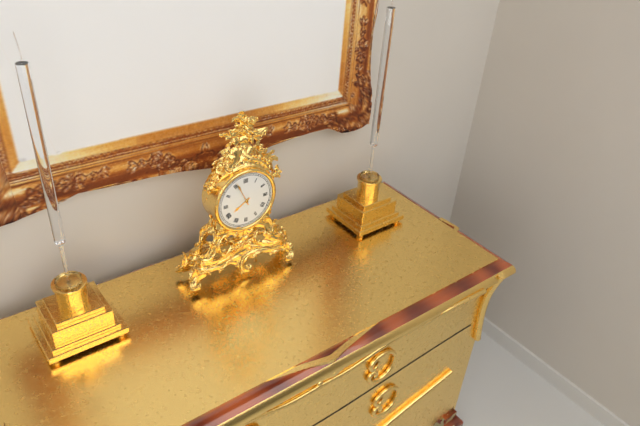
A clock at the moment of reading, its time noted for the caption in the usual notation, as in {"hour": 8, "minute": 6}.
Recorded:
{"hour": 7, "minute": 56}
